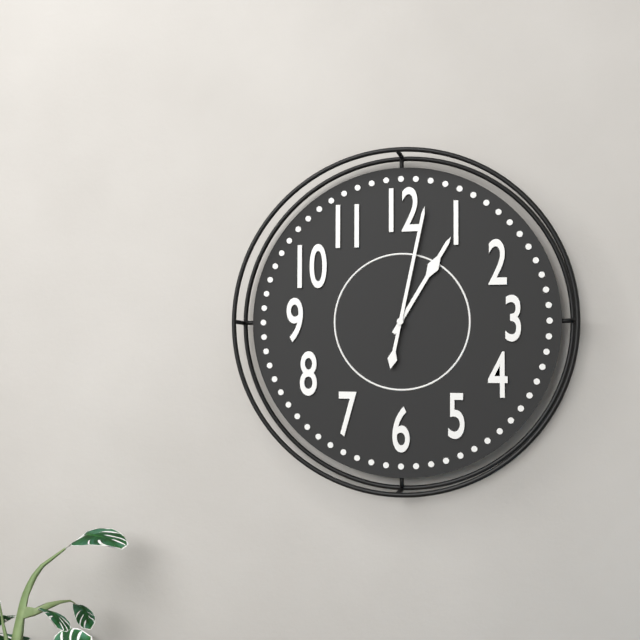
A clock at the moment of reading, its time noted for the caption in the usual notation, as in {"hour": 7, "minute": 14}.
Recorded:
{"hour": 1, "minute": 2}
